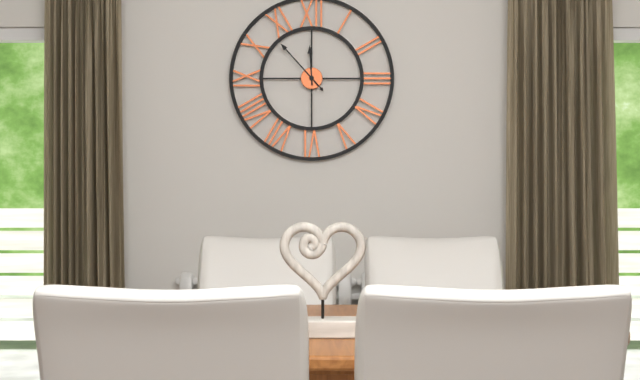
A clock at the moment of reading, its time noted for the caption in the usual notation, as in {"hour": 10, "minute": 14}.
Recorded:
{"hour": 11, "minute": 53}
